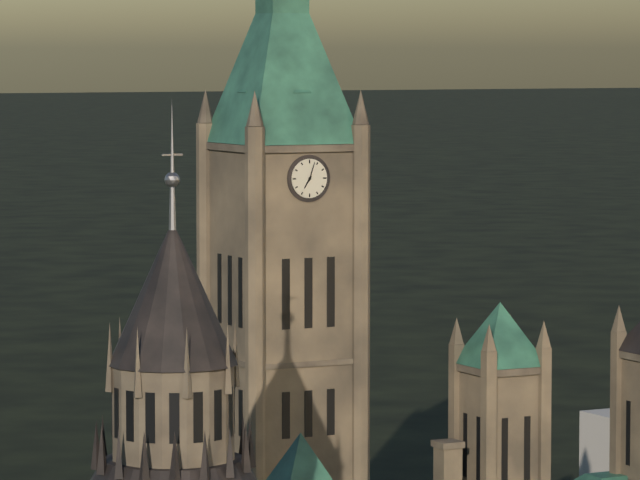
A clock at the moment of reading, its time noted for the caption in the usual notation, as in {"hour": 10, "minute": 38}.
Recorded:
{"hour": 7, "minute": 3}
